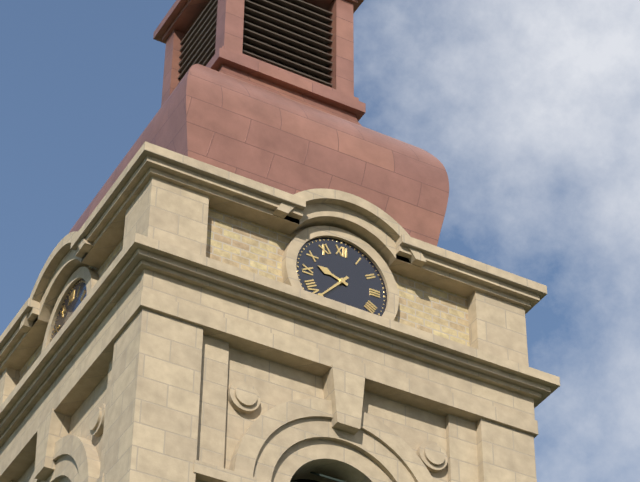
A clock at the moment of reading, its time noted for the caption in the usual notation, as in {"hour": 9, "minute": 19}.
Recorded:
{"hour": 9, "minute": 37}
